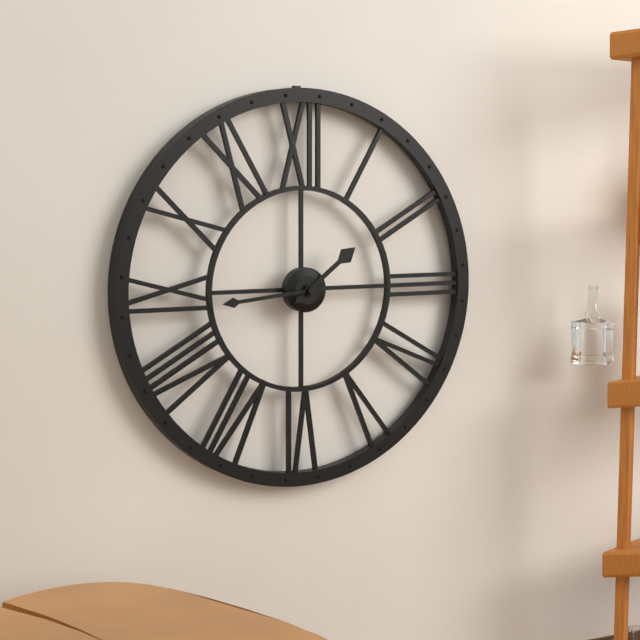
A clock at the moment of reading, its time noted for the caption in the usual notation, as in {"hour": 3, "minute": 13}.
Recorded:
{"hour": 1, "minute": 44}
